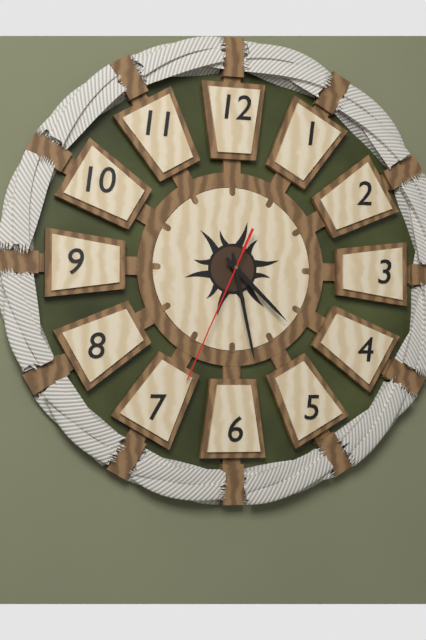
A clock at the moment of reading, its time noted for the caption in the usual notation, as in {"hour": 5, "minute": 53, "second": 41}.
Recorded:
{"hour": 4, "minute": 28, "second": 34}
